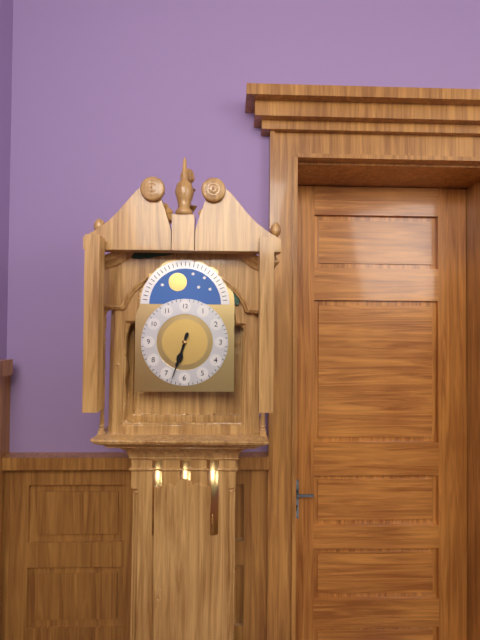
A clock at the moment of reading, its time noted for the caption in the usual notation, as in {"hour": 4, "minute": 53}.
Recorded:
{"hour": 6, "minute": 33}
